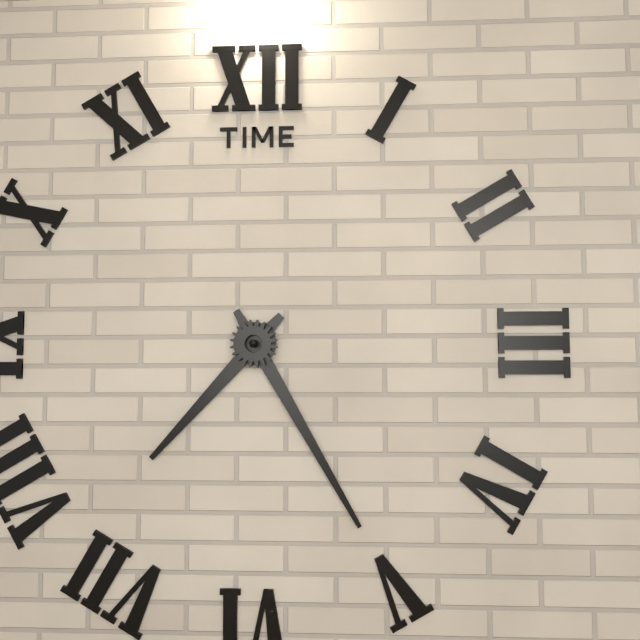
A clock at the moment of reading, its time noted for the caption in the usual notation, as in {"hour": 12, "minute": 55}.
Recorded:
{"hour": 7, "minute": 25}
